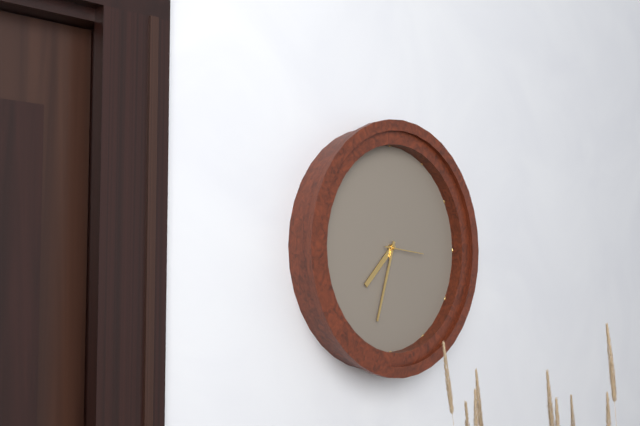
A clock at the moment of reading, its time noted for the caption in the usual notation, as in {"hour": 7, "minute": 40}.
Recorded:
{"hour": 7, "minute": 33}
